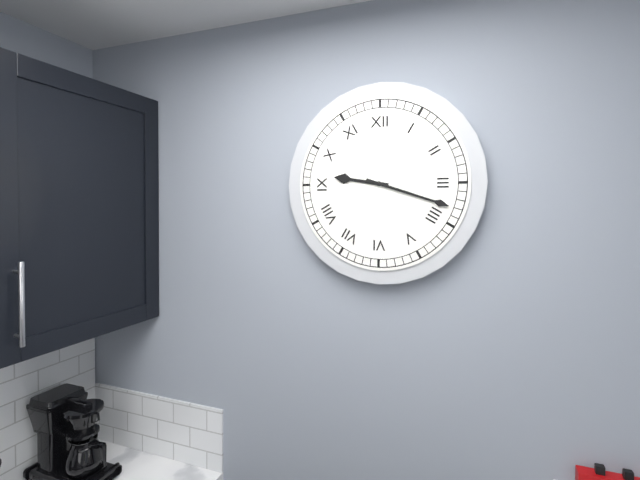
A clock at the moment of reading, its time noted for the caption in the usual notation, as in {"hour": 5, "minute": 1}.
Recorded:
{"hour": 9, "minute": 18}
